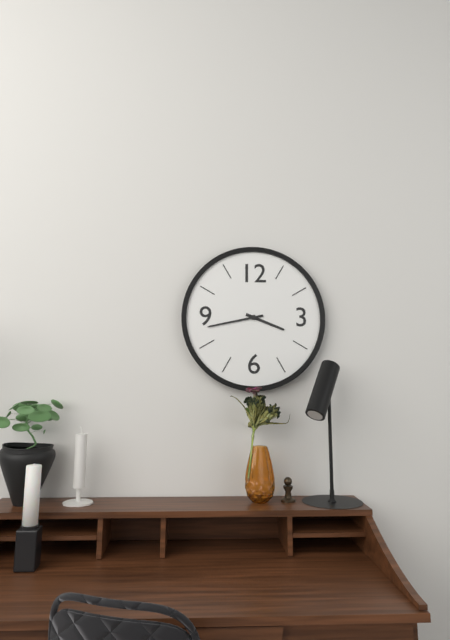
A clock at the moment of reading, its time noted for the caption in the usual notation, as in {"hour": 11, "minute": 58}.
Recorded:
{"hour": 3, "minute": 43}
